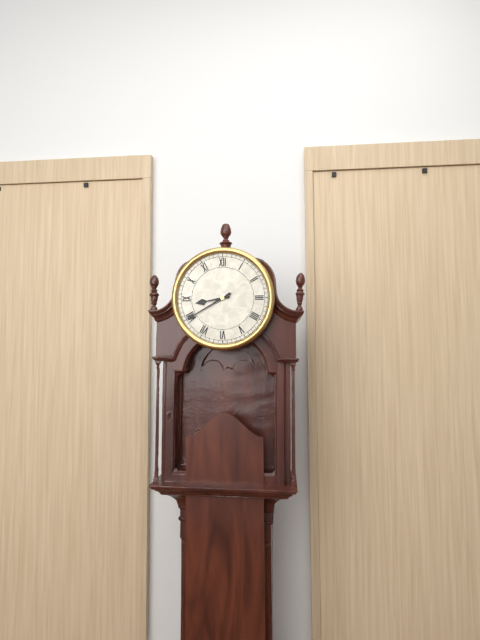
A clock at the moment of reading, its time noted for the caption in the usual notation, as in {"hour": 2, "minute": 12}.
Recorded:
{"hour": 8, "minute": 40}
